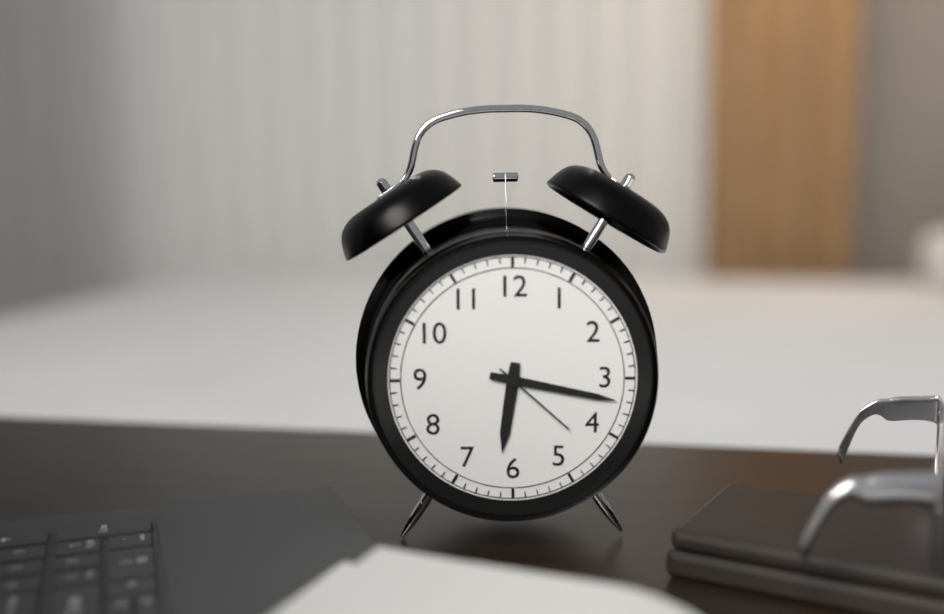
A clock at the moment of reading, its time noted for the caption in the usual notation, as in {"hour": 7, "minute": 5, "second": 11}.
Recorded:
{"hour": 6, "minute": 17, "second": 22}
